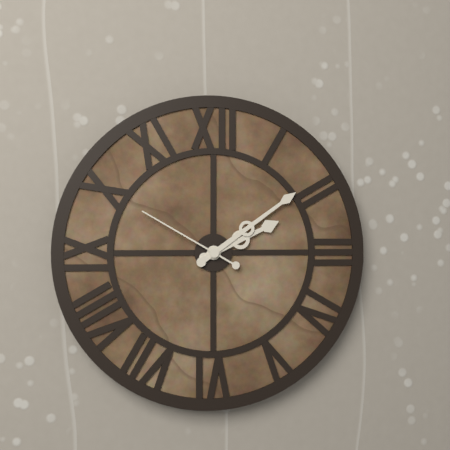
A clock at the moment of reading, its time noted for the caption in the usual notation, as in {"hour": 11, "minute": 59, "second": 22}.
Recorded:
{"hour": 2, "minute": 9, "second": 50}
